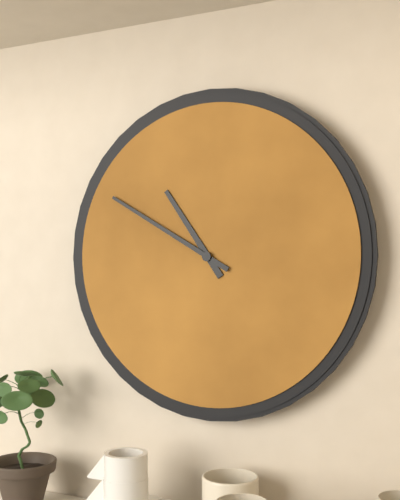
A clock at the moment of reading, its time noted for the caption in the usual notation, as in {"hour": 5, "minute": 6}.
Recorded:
{"hour": 10, "minute": 50}
